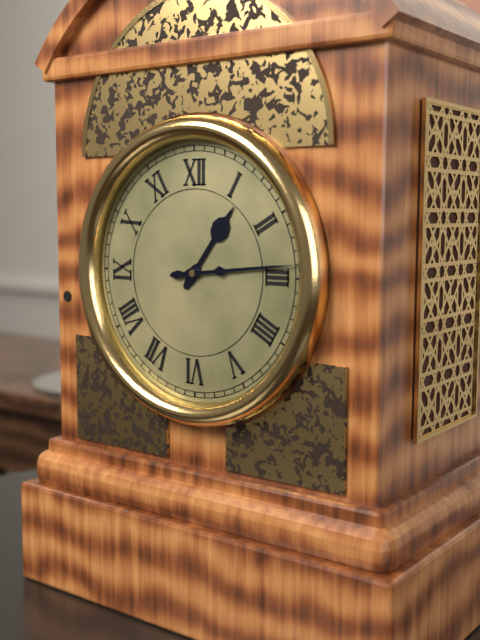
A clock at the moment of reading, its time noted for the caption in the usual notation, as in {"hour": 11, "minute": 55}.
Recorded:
{"hour": 1, "minute": 14}
